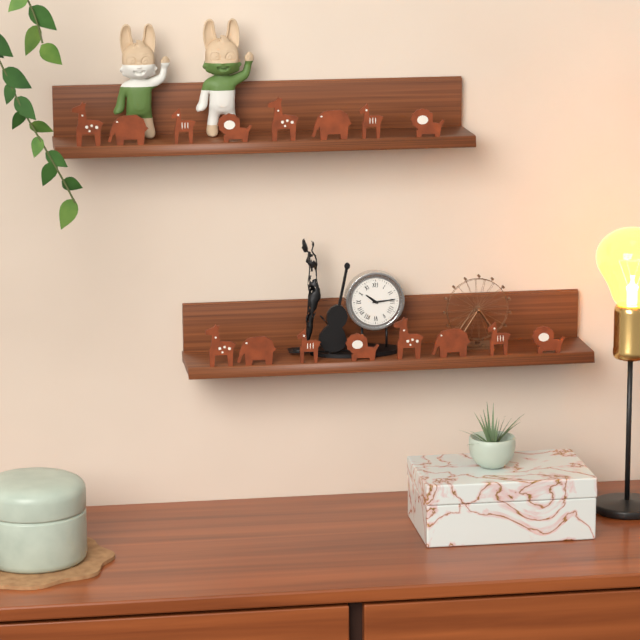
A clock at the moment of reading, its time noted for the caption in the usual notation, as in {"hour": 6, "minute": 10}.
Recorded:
{"hour": 10, "minute": 14}
